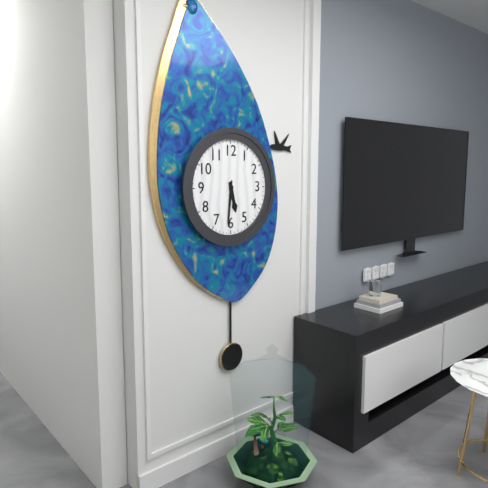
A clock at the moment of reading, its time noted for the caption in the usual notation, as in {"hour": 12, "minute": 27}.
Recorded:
{"hour": 5, "minute": 31}
